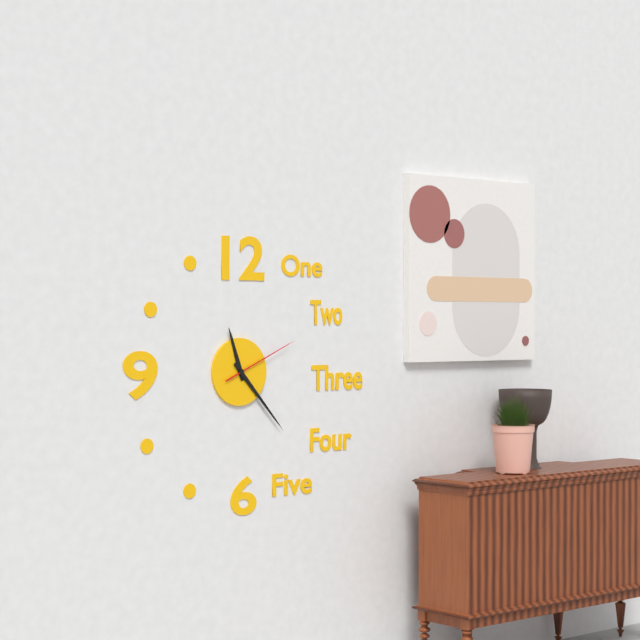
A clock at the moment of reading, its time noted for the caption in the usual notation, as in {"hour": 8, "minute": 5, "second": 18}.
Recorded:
{"hour": 11, "minute": 23, "second": 11}
